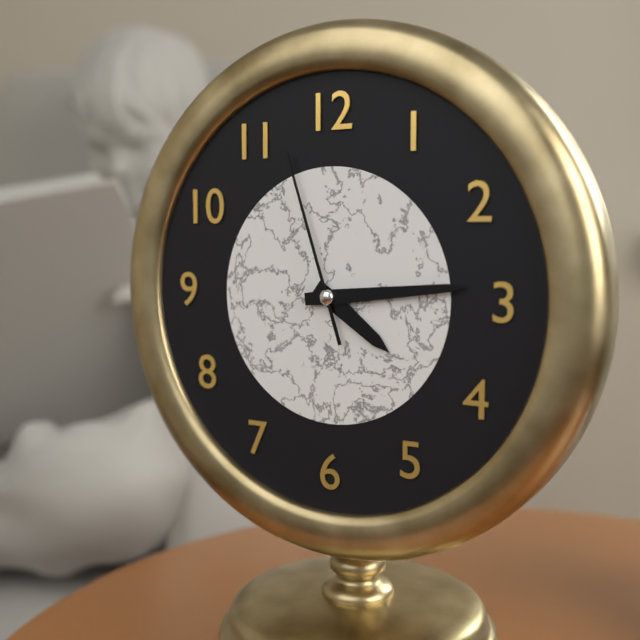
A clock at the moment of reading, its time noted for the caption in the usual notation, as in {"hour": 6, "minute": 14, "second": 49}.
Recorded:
{"hour": 4, "minute": 14, "second": 57}
